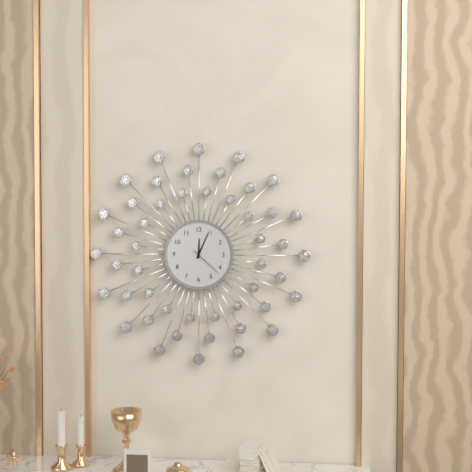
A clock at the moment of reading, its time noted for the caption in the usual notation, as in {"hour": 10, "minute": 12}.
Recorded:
{"hour": 12, "minute": 4}
